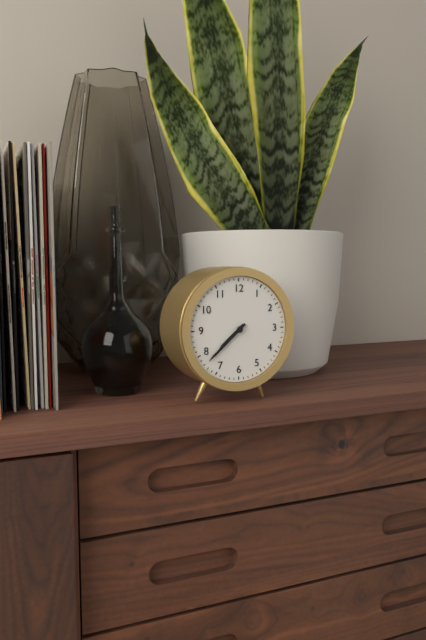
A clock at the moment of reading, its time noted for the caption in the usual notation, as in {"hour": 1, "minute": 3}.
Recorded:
{"hour": 7, "minute": 38}
